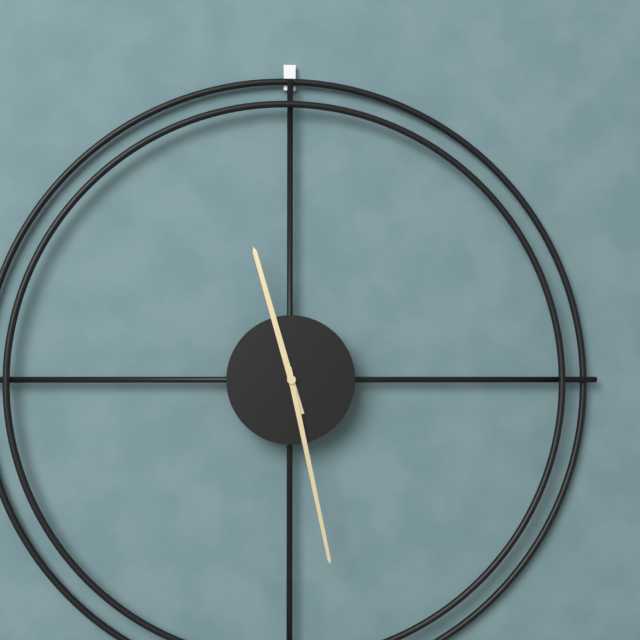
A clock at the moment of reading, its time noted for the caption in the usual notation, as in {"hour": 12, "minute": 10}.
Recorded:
{"hour": 11, "minute": 28}
